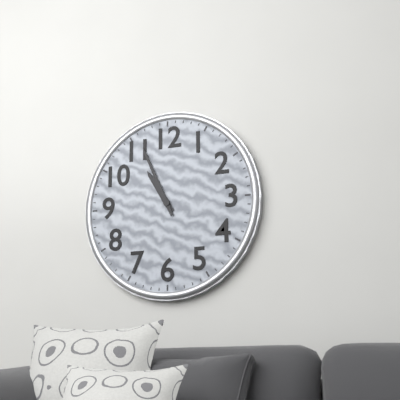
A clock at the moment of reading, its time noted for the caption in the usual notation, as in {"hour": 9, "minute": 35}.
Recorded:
{"hour": 10, "minute": 56}
